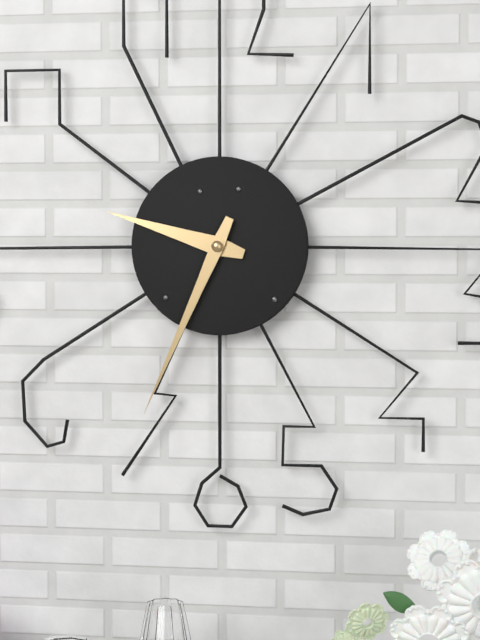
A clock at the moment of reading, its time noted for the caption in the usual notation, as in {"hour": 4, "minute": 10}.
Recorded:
{"hour": 9, "minute": 34}
